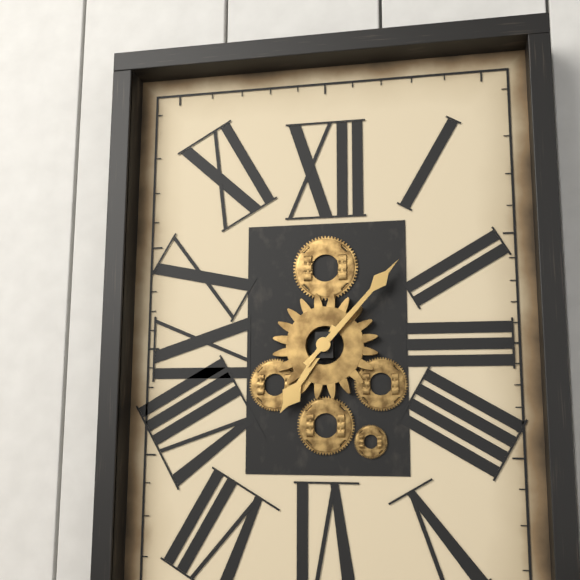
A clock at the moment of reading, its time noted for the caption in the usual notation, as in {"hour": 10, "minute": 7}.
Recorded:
{"hour": 7, "minute": 7}
